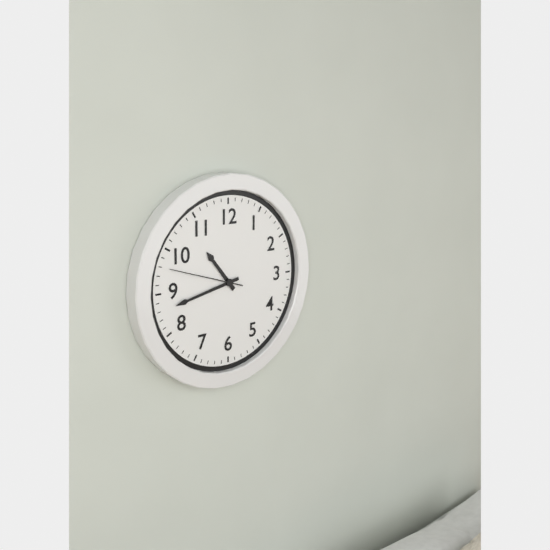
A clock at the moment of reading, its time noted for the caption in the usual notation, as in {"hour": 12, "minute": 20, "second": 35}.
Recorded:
{"hour": 10, "minute": 43, "second": 48}
